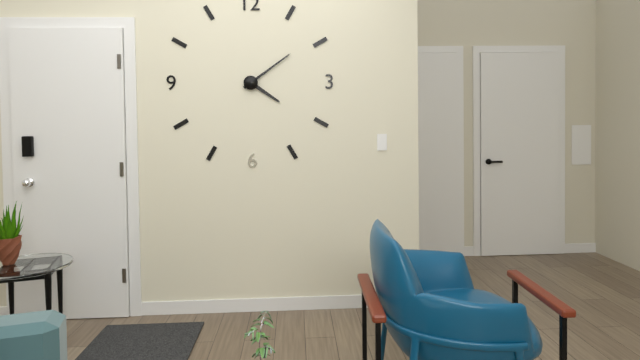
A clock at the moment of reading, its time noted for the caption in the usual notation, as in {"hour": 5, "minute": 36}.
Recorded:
{"hour": 4, "minute": 9}
